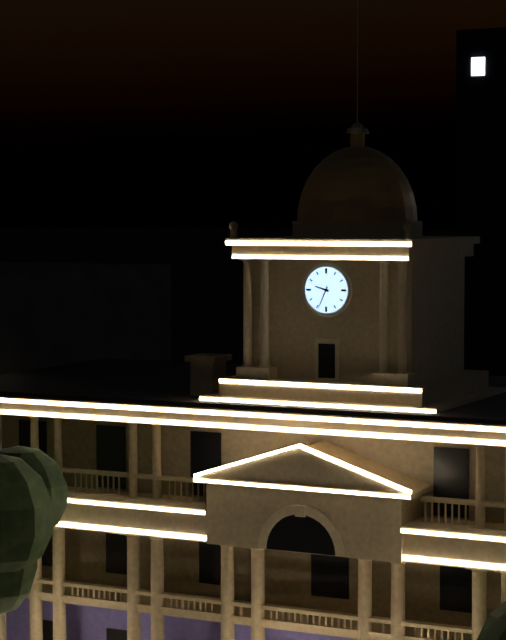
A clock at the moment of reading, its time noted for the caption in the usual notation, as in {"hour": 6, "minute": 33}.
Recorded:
{"hour": 9, "minute": 34}
